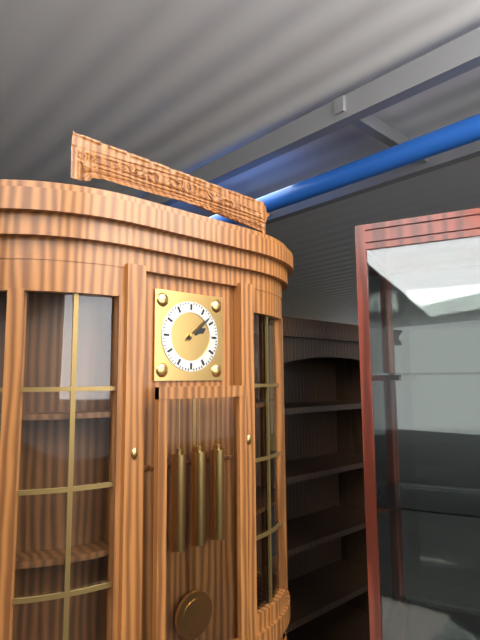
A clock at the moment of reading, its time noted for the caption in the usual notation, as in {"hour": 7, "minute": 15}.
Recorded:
{"hour": 2, "minute": 8}
